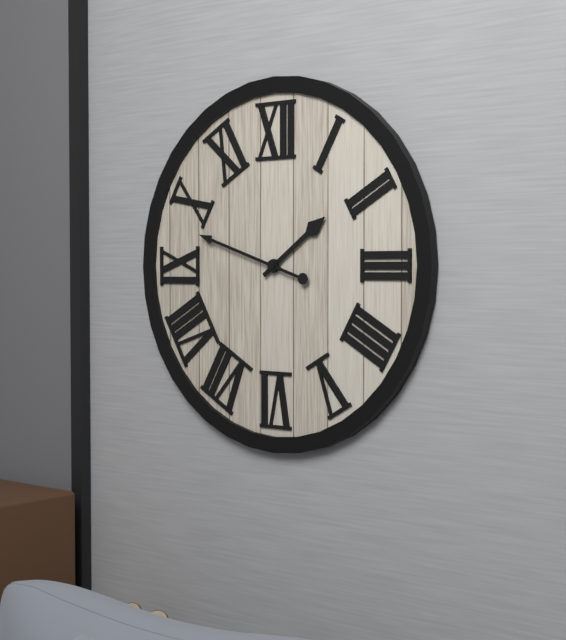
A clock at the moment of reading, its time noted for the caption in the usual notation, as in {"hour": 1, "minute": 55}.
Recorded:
{"hour": 1, "minute": 48}
